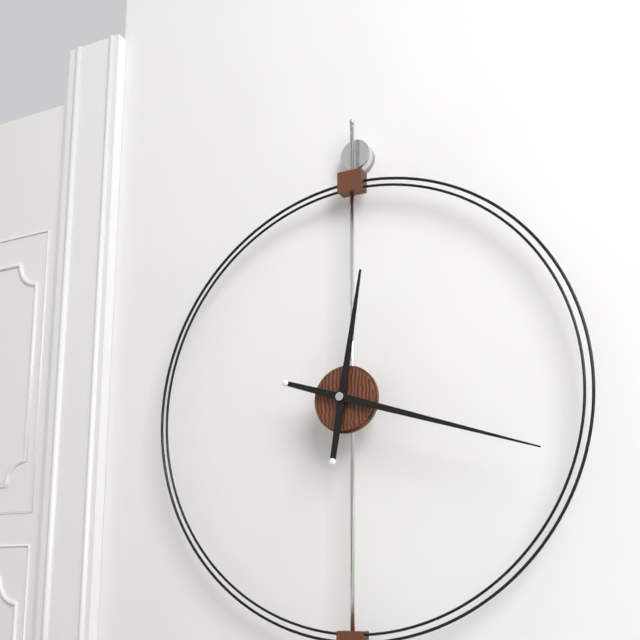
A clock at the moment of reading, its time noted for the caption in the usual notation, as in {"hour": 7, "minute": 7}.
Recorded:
{"hour": 12, "minute": 18}
